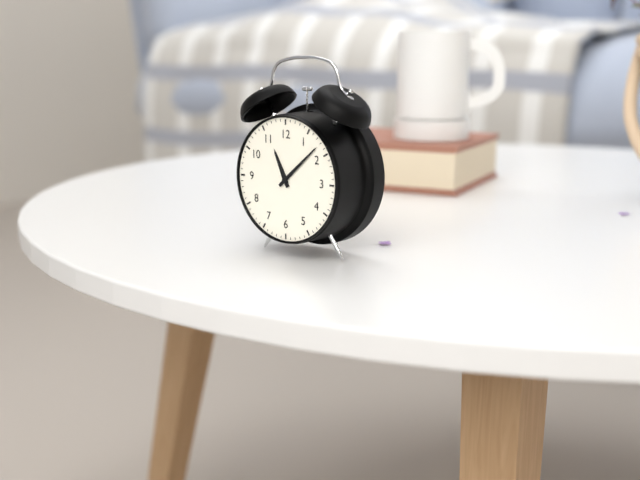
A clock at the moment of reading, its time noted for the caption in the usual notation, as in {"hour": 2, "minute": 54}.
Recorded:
{"hour": 11, "minute": 8}
